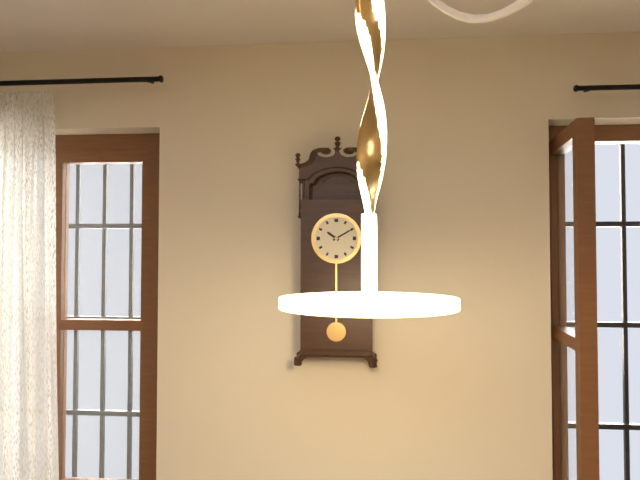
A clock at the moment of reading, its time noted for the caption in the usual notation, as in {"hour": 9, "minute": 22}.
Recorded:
{"hour": 10, "minute": 10}
